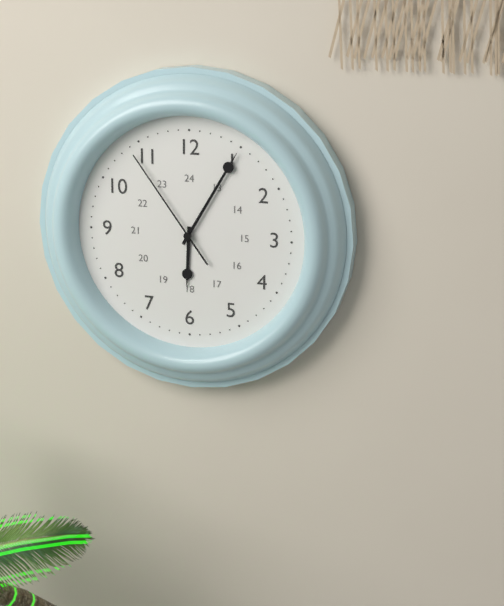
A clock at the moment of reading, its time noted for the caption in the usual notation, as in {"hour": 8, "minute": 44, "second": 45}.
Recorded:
{"hour": 6, "minute": 5, "second": 54}
